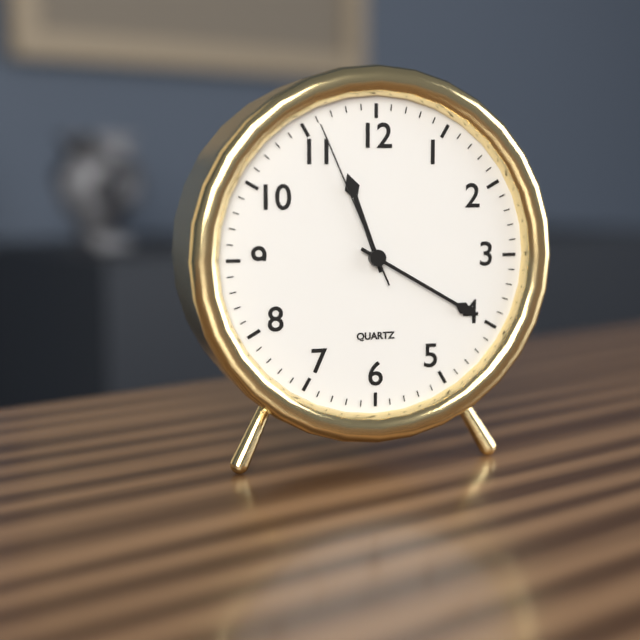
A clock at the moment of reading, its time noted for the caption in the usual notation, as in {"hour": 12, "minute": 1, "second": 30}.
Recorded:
{"hour": 11, "minute": 20, "second": 56}
